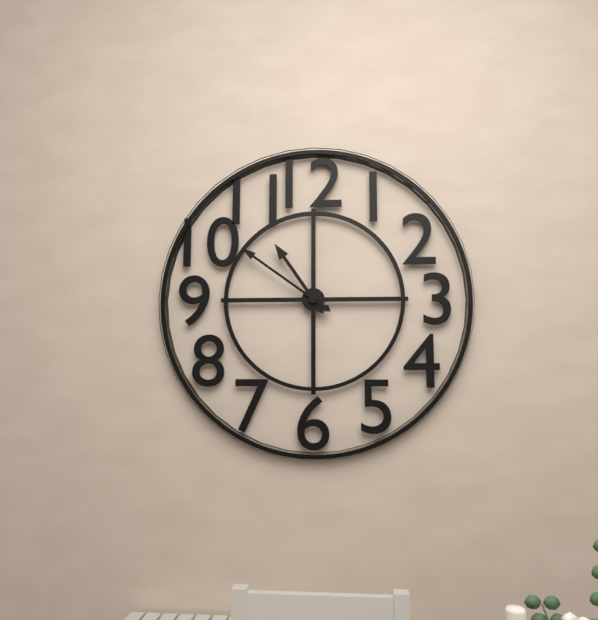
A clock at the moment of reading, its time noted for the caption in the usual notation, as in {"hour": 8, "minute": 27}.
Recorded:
{"hour": 10, "minute": 51}
